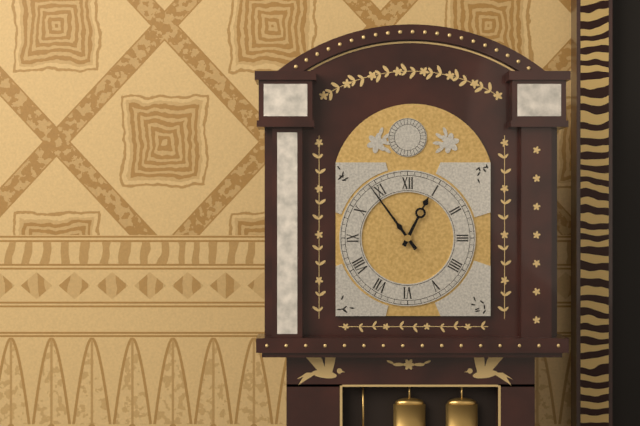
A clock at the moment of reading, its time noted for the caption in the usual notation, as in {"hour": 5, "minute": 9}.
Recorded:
{"hour": 12, "minute": 54}
